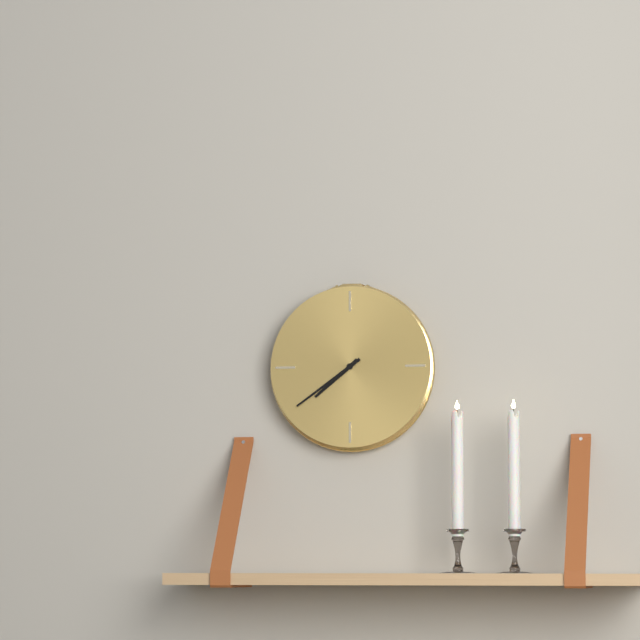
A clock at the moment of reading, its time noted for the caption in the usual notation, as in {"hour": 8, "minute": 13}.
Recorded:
{"hour": 7, "minute": 39}
